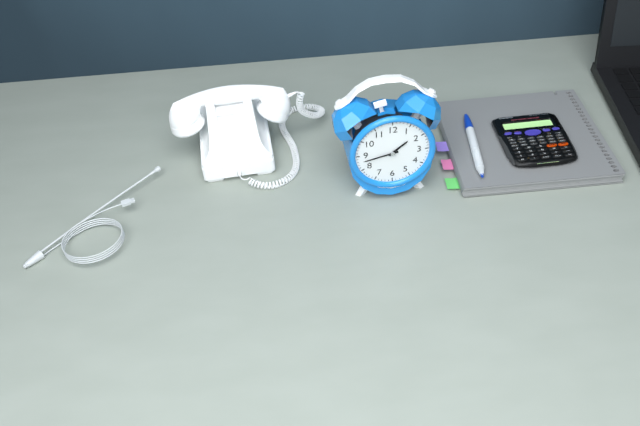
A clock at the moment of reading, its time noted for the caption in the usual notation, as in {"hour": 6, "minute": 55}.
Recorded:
{"hour": 1, "minute": 43}
